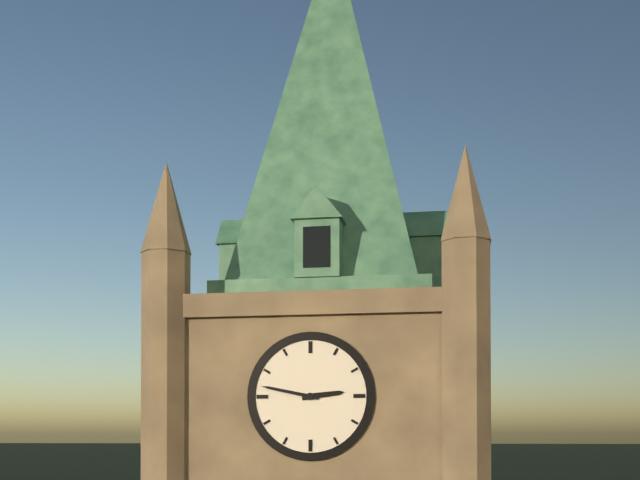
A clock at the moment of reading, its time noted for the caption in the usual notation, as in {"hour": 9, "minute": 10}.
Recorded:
{"hour": 2, "minute": 47}
